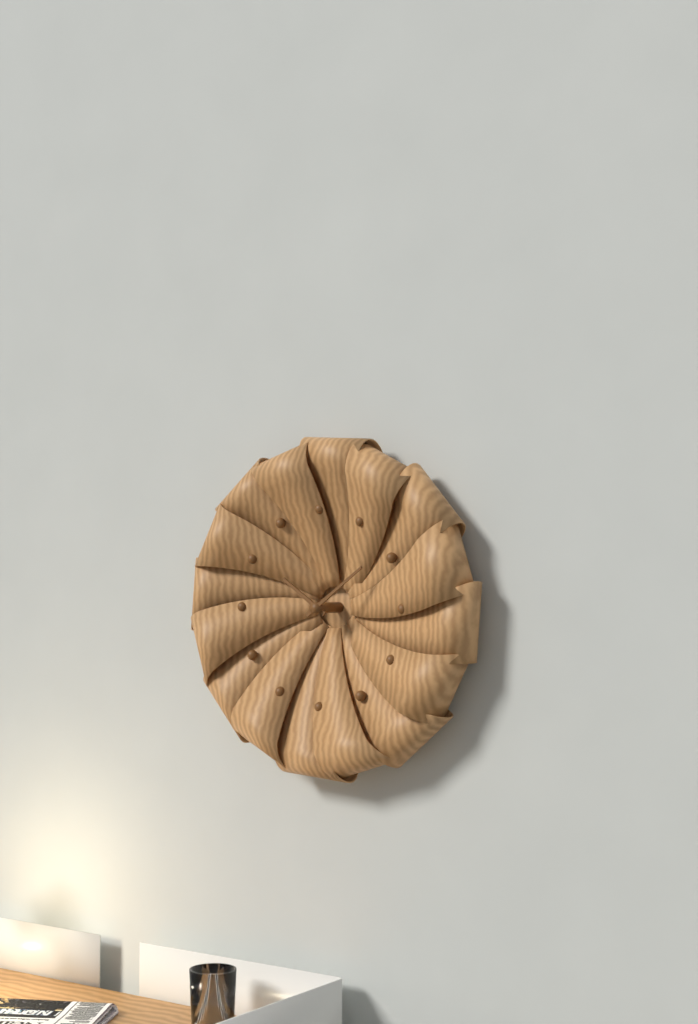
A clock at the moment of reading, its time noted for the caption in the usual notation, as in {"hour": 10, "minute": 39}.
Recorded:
{"hour": 10, "minute": 9}
